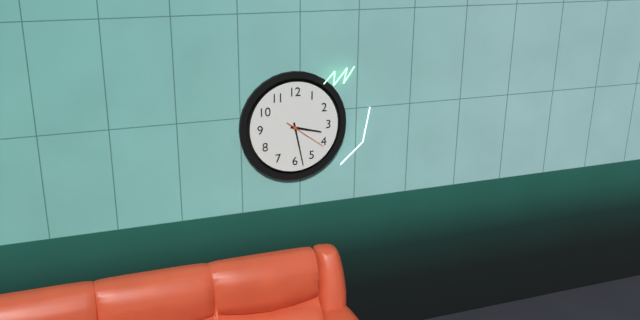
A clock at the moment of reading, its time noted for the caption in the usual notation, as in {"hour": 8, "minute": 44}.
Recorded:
{"hour": 3, "minute": 28}
